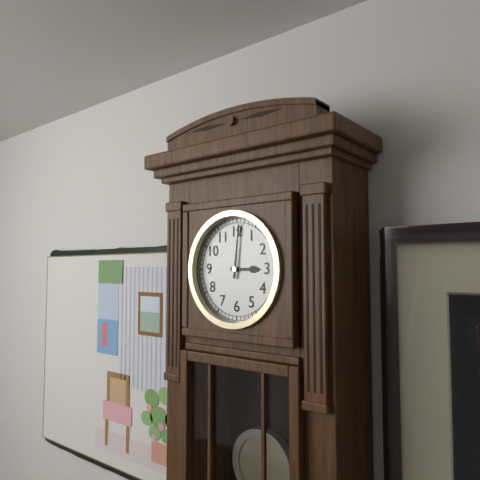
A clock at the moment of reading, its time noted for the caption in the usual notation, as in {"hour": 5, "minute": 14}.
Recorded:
{"hour": 3, "minute": 1}
